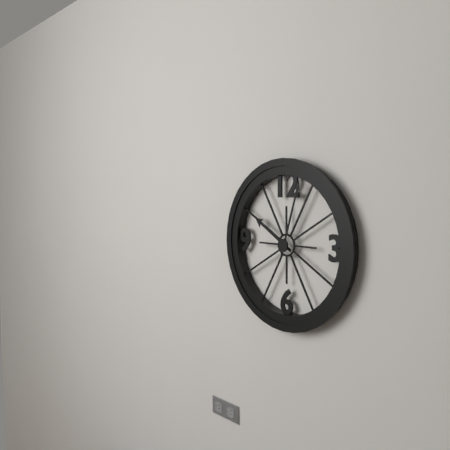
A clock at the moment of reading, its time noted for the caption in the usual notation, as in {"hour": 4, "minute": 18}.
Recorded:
{"hour": 10, "minute": 3}
